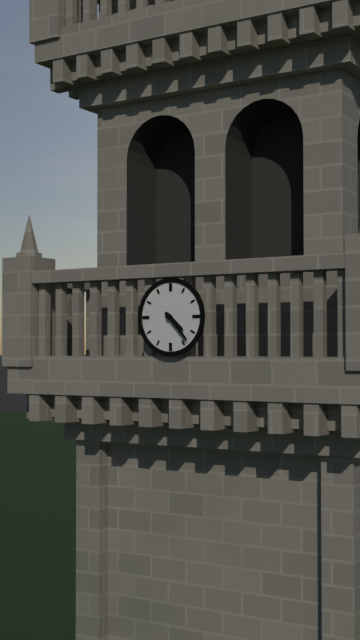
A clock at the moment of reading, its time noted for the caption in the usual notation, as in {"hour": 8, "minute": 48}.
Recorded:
{"hour": 4, "minute": 23}
